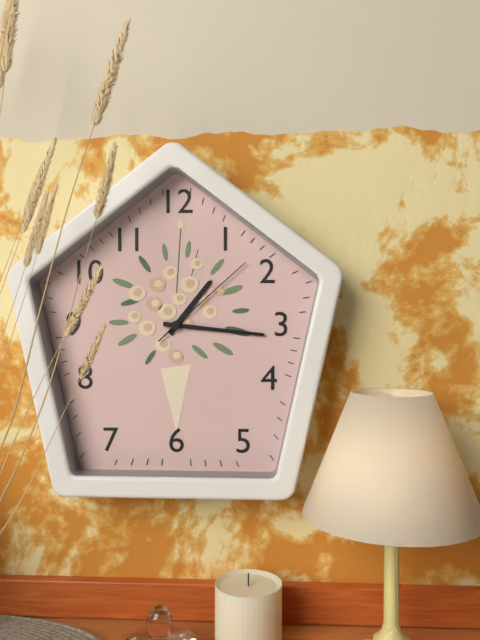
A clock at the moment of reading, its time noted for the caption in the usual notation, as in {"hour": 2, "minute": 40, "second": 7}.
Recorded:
{"hour": 1, "minute": 16, "second": 8}
